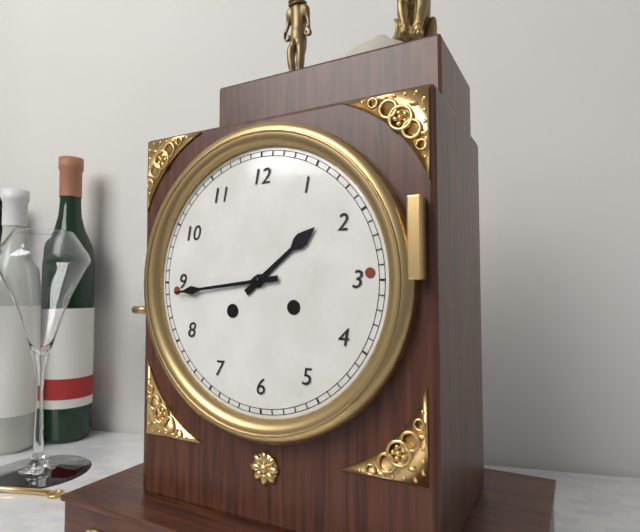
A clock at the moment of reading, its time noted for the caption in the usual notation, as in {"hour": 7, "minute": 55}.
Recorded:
{"hour": 1, "minute": 44}
